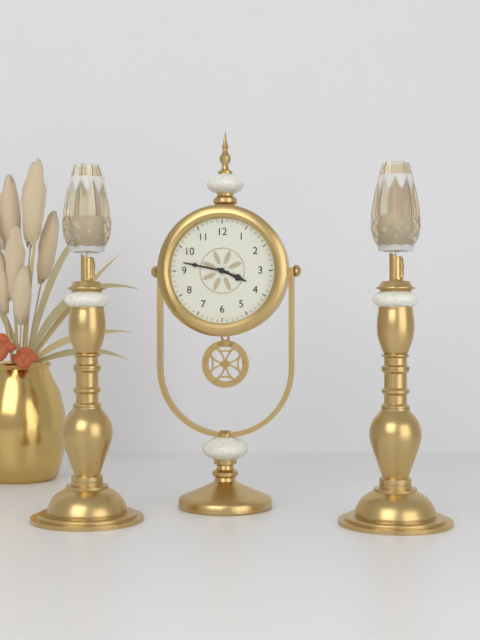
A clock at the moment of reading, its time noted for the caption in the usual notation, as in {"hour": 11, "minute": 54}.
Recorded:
{"hour": 3, "minute": 47}
